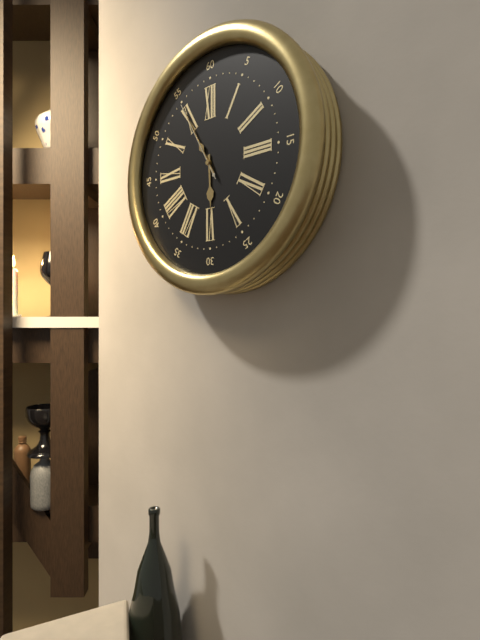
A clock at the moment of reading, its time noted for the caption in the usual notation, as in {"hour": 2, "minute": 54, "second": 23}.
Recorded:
{"hour": 5, "minute": 55, "second": 55}
